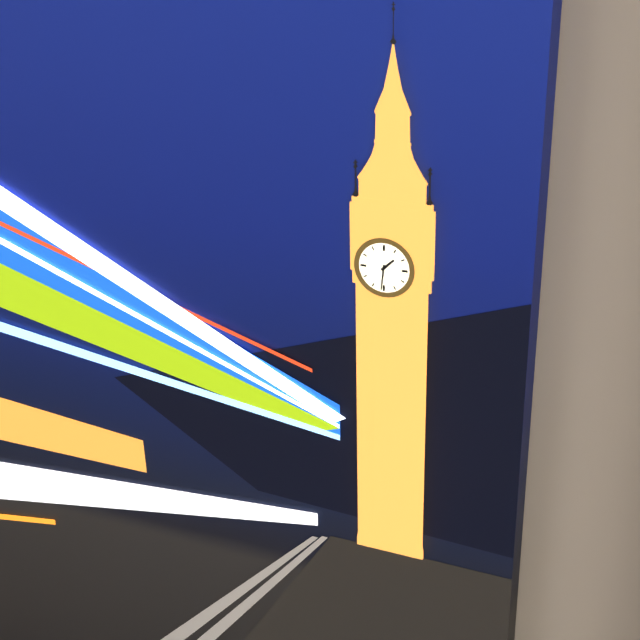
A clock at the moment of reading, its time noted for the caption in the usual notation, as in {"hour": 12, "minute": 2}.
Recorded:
{"hour": 1, "minute": 31}
